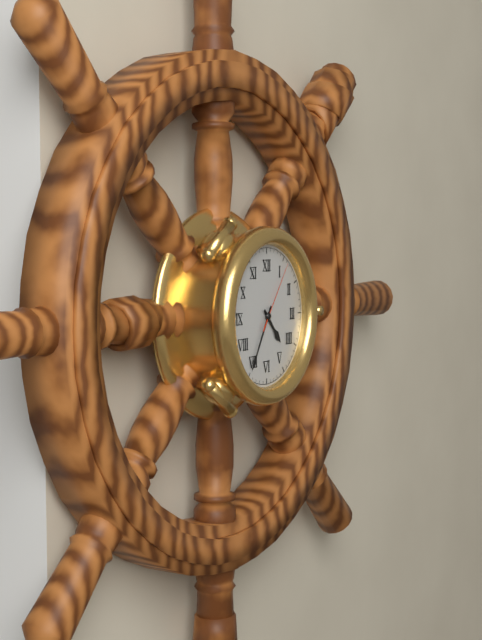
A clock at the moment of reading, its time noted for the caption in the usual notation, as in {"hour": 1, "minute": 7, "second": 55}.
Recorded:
{"hour": 4, "minute": 35, "second": 6}
